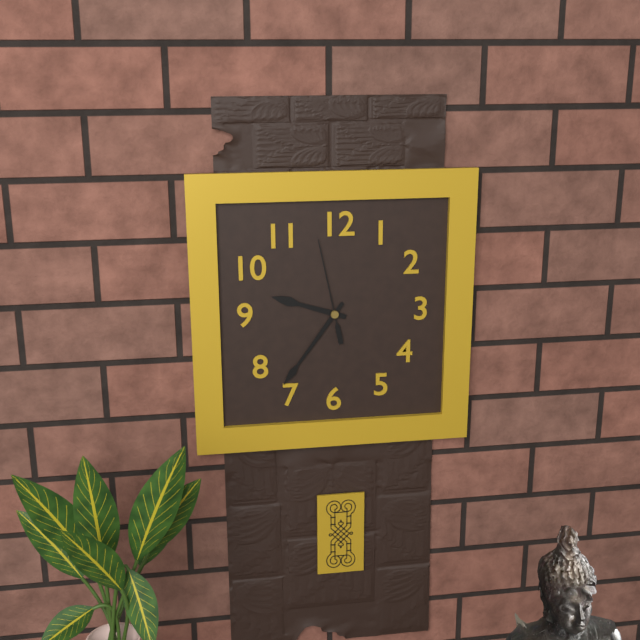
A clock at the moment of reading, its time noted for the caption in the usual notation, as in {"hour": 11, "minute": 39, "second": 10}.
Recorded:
{"hour": 9, "minute": 36, "second": 58}
